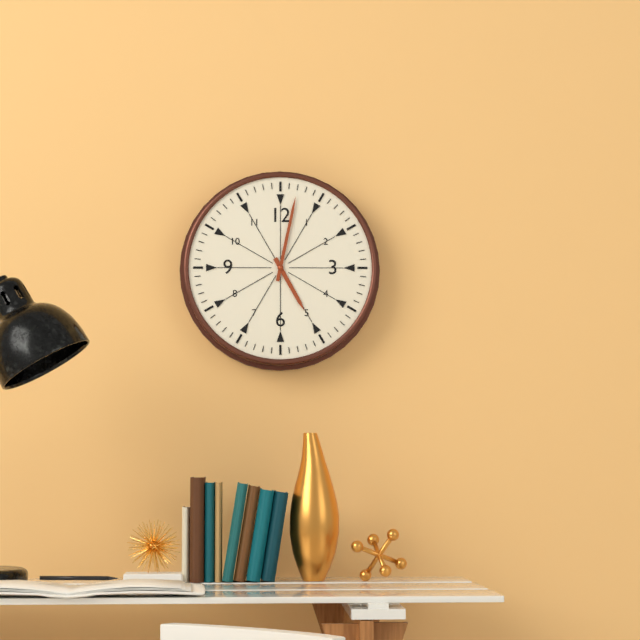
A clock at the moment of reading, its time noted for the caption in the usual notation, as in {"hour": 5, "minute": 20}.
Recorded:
{"hour": 5, "minute": 2}
